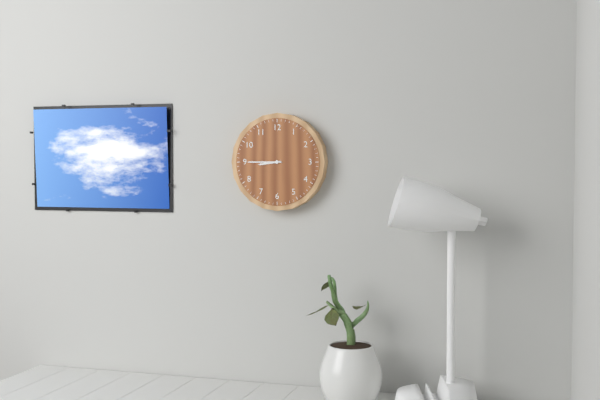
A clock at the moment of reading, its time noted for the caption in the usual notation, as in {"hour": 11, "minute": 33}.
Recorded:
{"hour": 8, "minute": 45}
